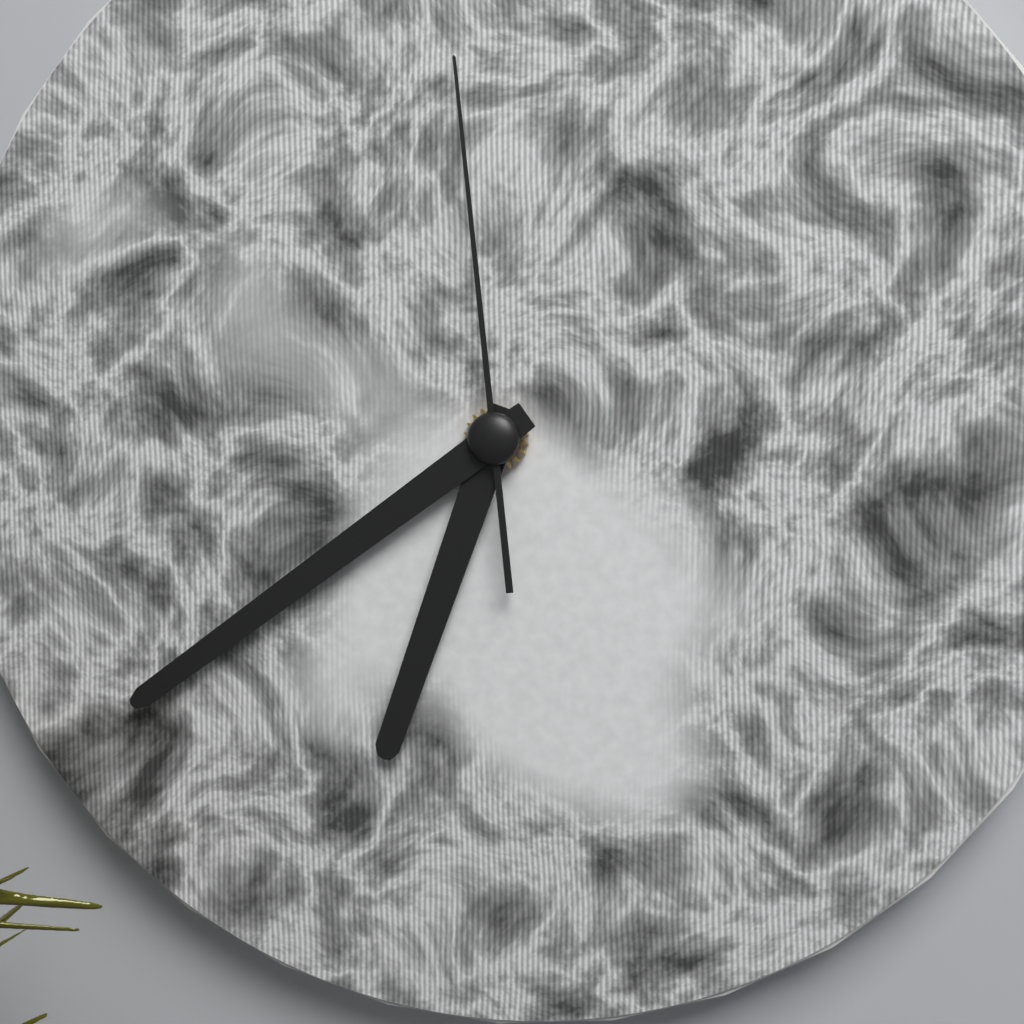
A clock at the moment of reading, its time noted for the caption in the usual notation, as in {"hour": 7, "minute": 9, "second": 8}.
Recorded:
{"hour": 6, "minute": 39, "second": 59}
